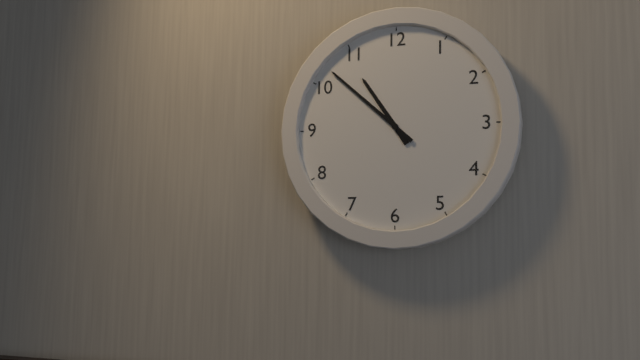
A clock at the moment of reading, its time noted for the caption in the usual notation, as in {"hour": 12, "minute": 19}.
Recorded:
{"hour": 10, "minute": 52}
